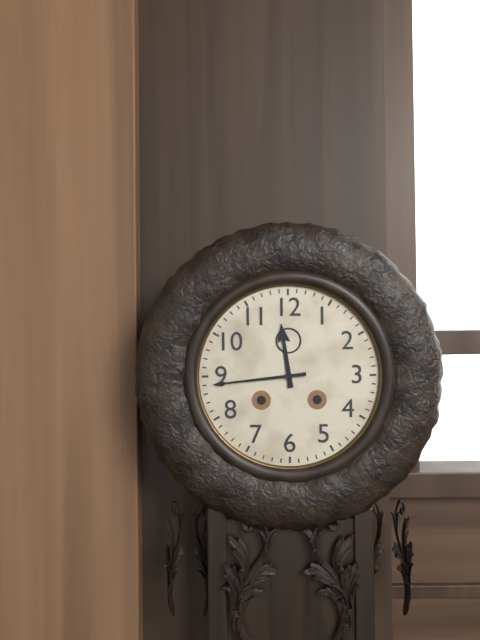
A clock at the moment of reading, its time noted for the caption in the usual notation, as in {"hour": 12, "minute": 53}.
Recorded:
{"hour": 11, "minute": 44}
